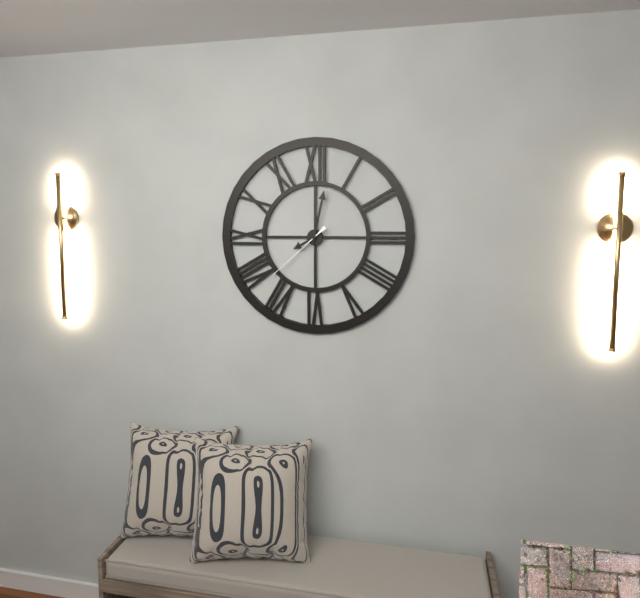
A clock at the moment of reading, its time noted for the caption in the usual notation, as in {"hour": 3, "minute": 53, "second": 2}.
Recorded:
{"hour": 8, "minute": 2, "second": 38}
